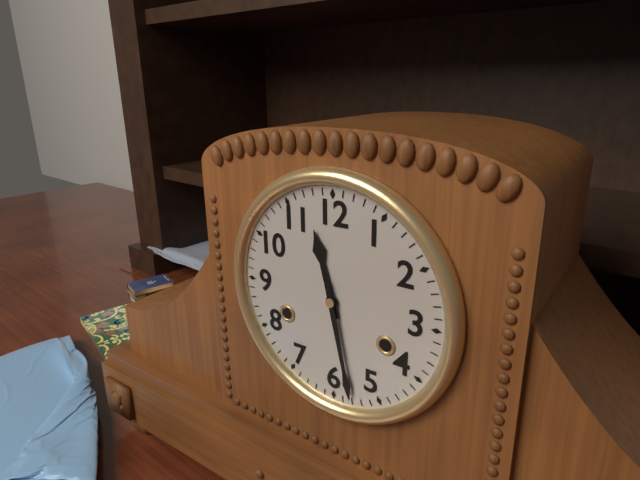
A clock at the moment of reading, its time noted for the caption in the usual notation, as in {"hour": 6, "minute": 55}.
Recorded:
{"hour": 11, "minute": 28}
